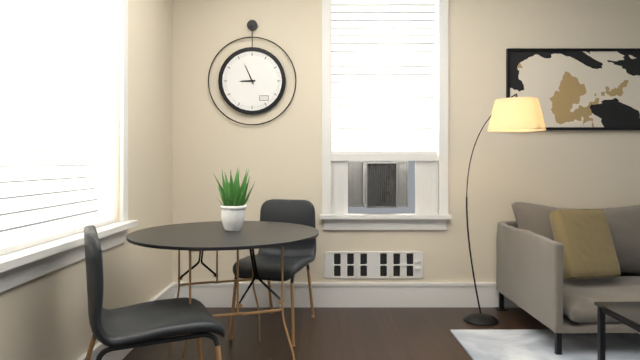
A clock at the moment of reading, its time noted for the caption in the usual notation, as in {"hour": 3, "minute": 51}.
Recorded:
{"hour": 8, "minute": 56}
